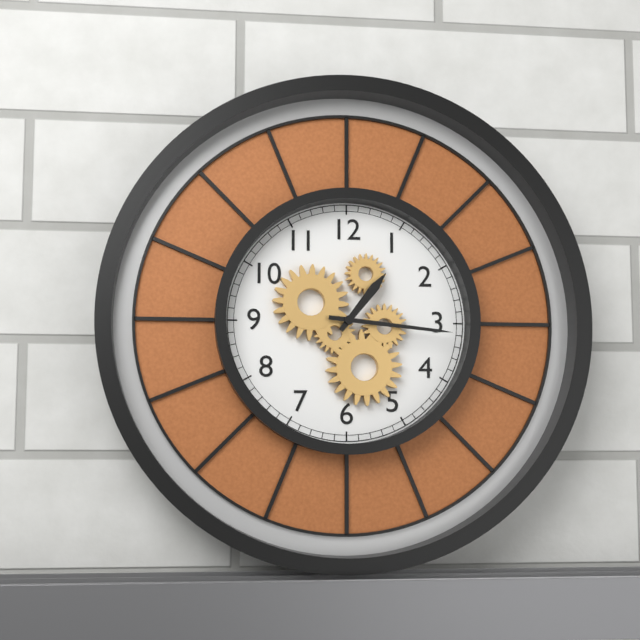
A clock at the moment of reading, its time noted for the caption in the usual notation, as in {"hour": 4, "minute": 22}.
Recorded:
{"hour": 1, "minute": 16}
